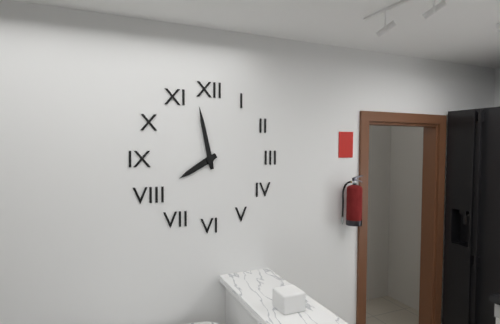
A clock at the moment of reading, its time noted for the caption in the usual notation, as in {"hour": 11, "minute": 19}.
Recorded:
{"hour": 7, "minute": 58}
